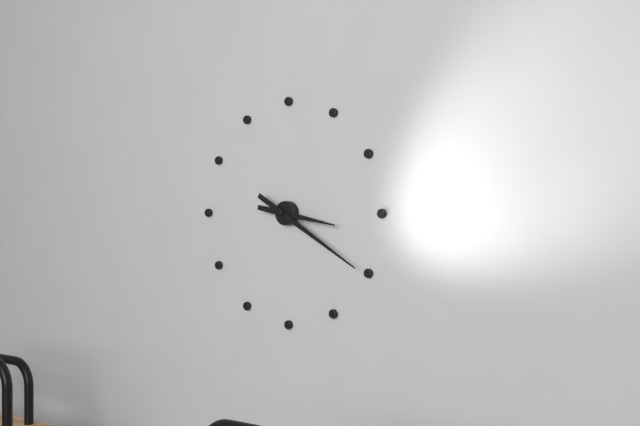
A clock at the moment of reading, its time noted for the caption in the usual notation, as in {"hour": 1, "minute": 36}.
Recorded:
{"hour": 3, "minute": 20}
